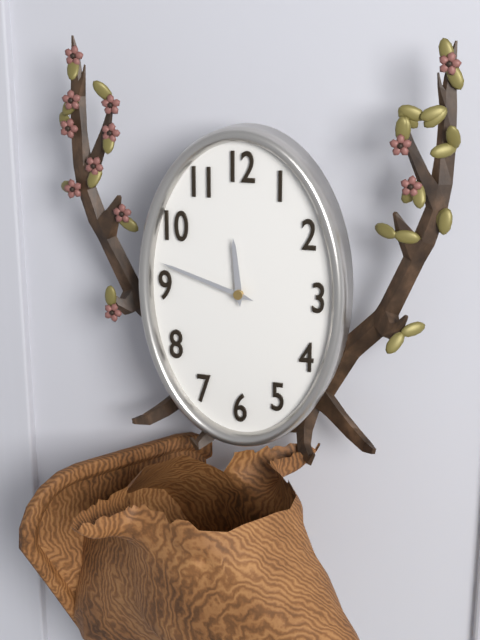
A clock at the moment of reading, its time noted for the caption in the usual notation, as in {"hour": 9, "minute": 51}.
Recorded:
{"hour": 11, "minute": 48}
